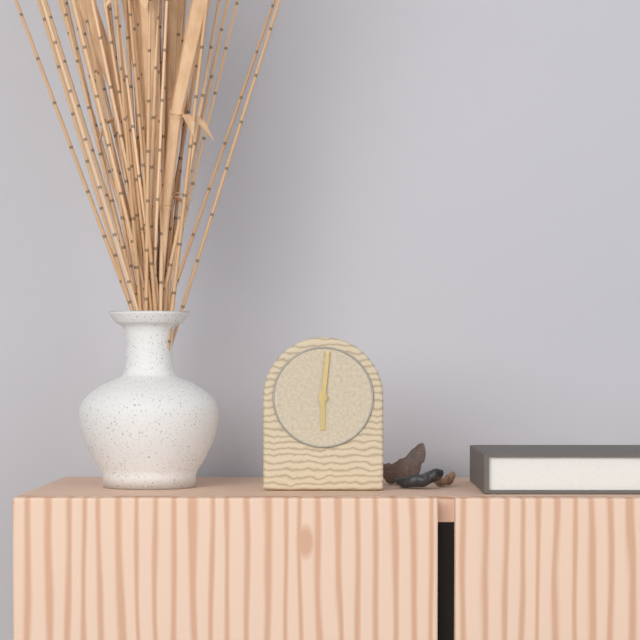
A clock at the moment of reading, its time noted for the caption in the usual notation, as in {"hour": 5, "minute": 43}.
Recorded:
{"hour": 6, "minute": 1}
